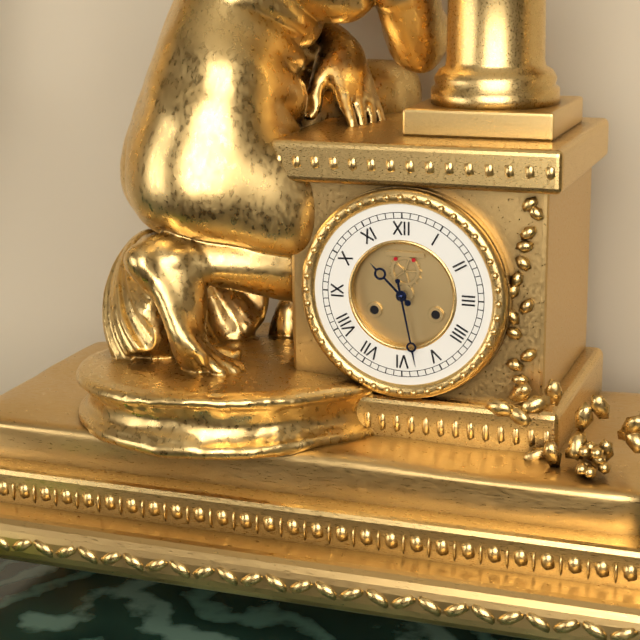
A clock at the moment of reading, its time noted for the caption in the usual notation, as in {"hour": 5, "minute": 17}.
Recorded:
{"hour": 10, "minute": 28}
